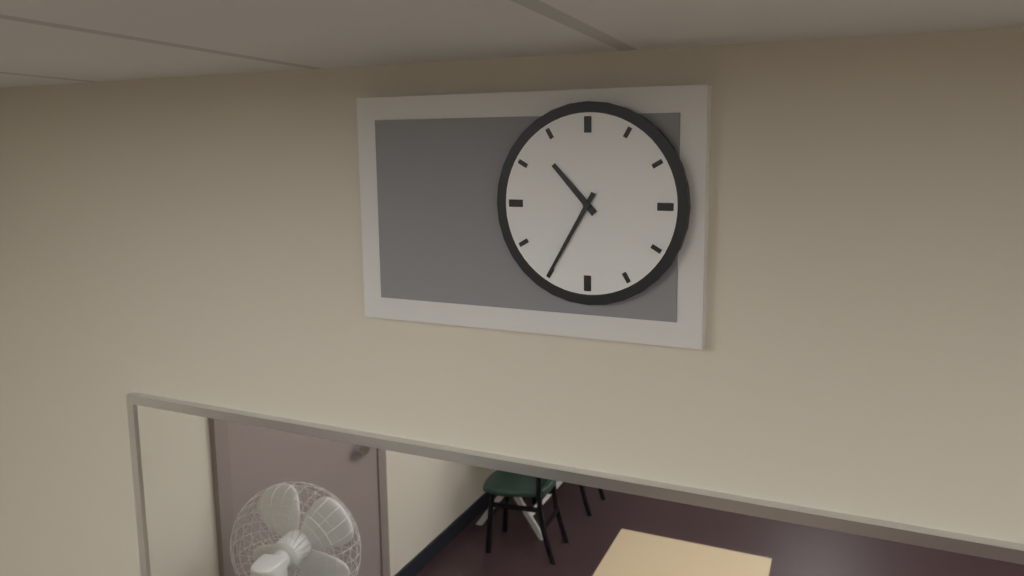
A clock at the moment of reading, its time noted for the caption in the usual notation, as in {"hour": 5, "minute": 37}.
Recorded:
{"hour": 10, "minute": 35}
